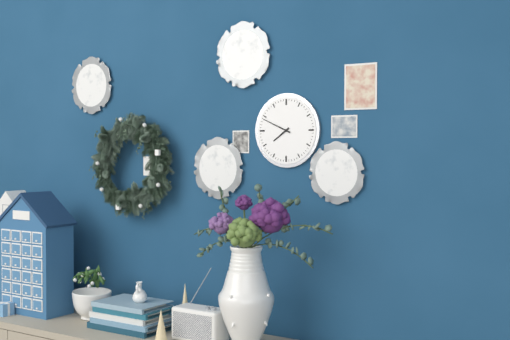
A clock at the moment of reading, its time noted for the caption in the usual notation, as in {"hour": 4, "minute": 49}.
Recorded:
{"hour": 7, "minute": 49}
